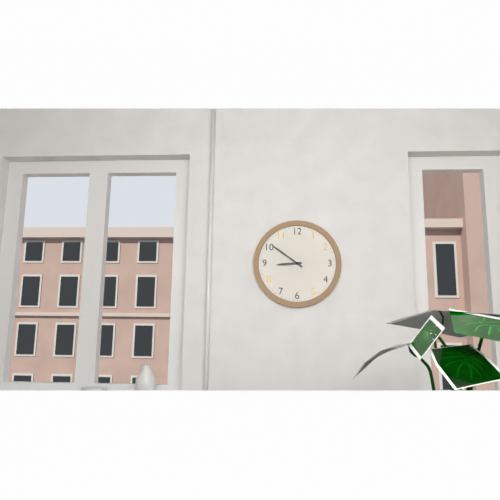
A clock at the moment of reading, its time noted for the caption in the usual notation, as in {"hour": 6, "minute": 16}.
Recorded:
{"hour": 8, "minute": 51}
